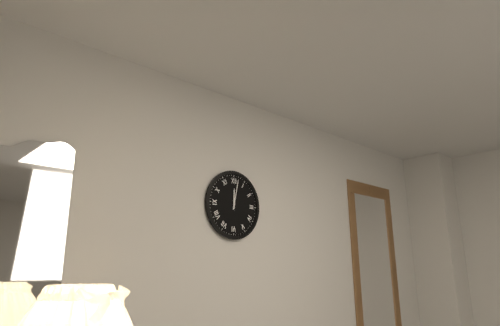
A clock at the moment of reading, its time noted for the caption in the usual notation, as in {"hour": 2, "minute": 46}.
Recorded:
{"hour": 12, "minute": 2}
